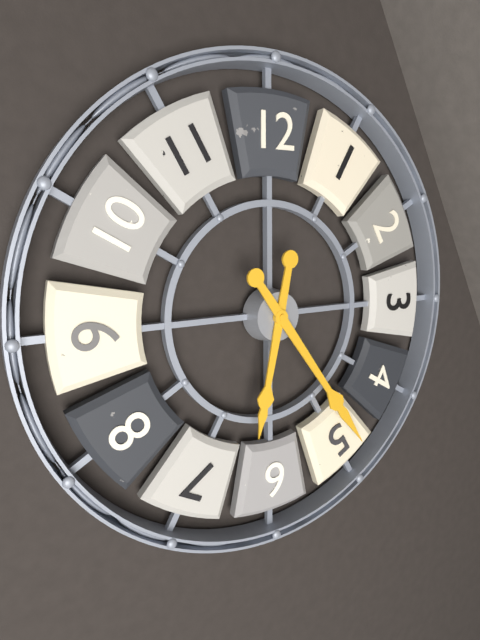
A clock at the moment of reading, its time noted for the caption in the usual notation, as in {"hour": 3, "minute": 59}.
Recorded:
{"hour": 6, "minute": 24}
